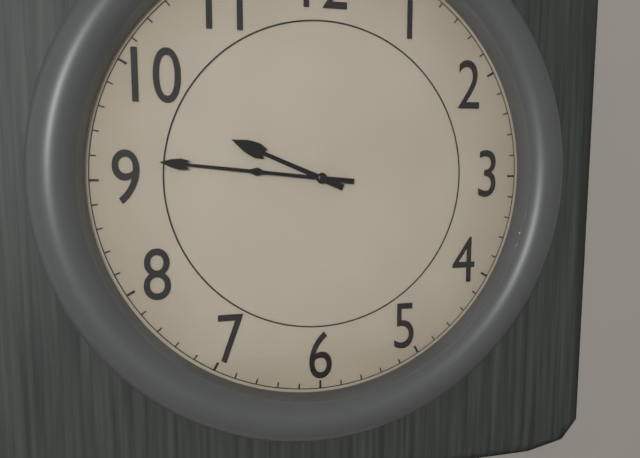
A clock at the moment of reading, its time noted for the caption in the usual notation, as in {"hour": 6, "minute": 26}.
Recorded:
{"hour": 9, "minute": 46}
